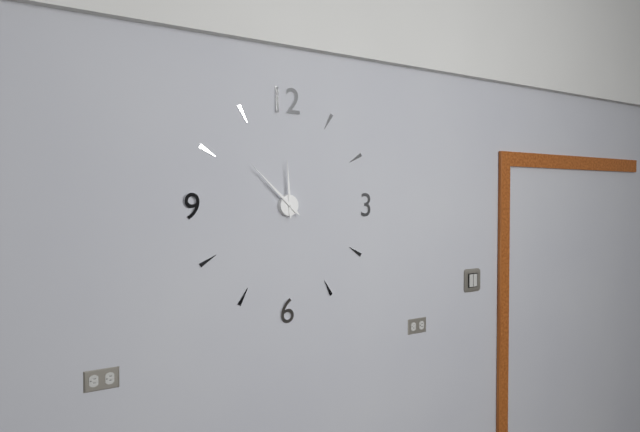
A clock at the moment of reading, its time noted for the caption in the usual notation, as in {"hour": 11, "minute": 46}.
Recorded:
{"hour": 11, "minute": 52}
